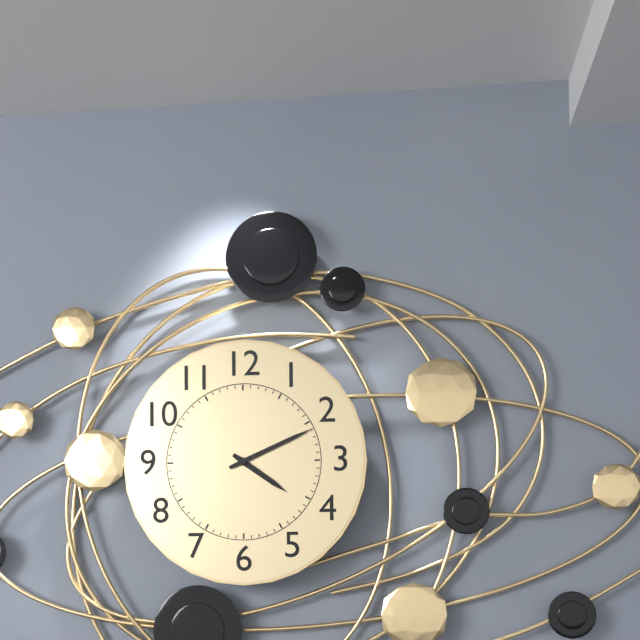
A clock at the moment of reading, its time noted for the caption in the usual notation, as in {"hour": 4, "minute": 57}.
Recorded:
{"hour": 4, "minute": 11}
